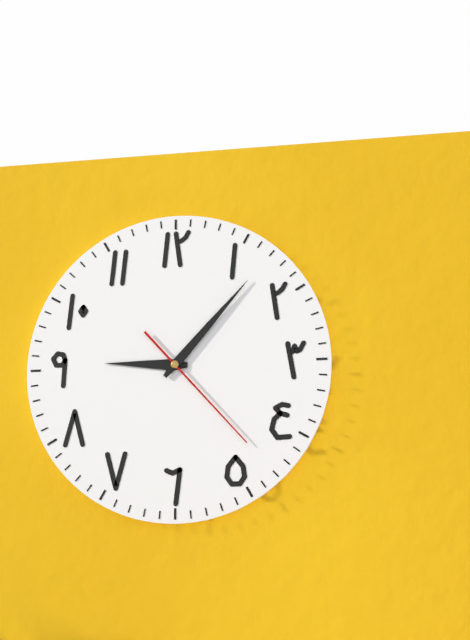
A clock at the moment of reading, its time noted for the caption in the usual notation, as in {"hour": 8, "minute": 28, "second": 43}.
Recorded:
{"hour": 9, "minute": 7, "second": 23}
